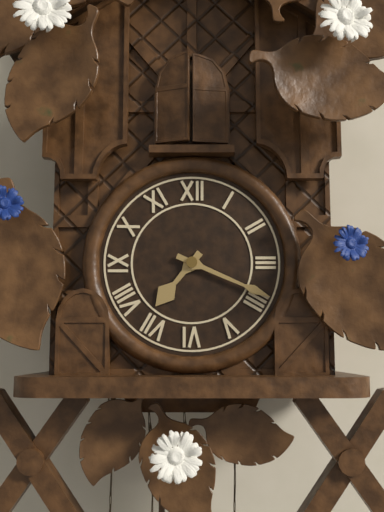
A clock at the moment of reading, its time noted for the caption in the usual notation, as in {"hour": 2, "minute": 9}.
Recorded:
{"hour": 7, "minute": 19}
